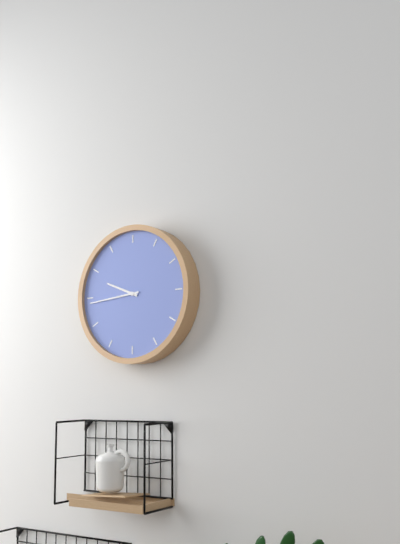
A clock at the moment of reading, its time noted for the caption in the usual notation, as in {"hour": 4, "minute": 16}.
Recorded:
{"hour": 9, "minute": 44}
